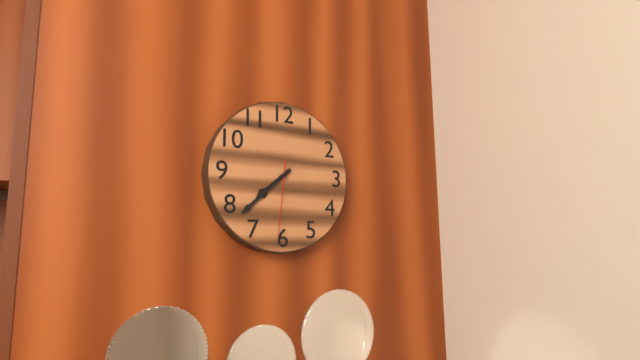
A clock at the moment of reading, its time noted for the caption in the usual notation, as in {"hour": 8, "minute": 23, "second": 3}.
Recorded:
{"hour": 7, "minute": 38, "second": 31}
